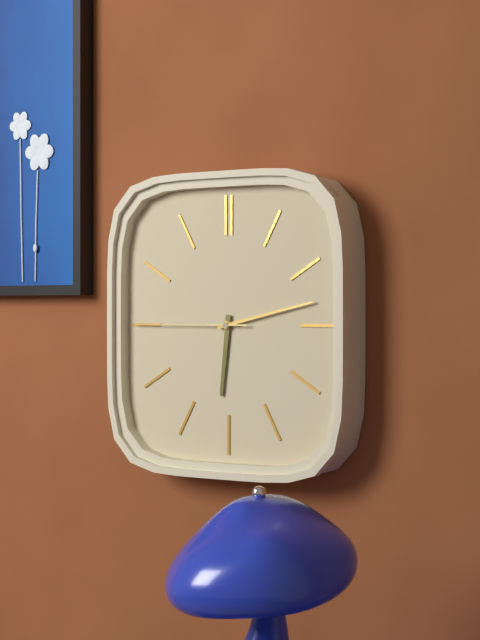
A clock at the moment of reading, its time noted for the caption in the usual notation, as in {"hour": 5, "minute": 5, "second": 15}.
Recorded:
{"hour": 6, "minute": 13, "second": 45}
